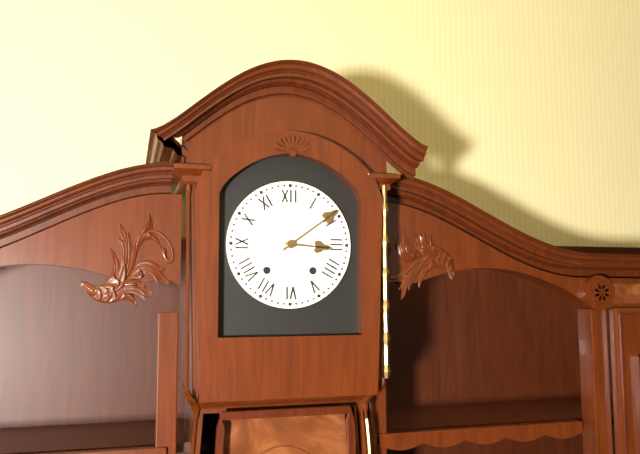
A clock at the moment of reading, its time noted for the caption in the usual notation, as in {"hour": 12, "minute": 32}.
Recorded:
{"hour": 3, "minute": 9}
